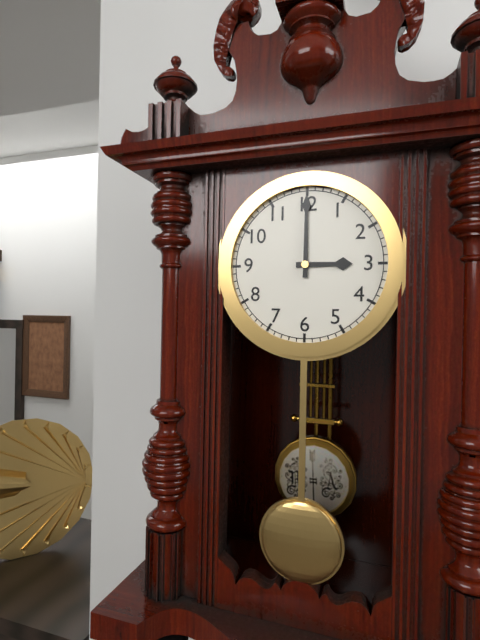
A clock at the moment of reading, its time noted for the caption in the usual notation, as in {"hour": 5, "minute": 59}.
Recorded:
{"hour": 3, "minute": 0}
